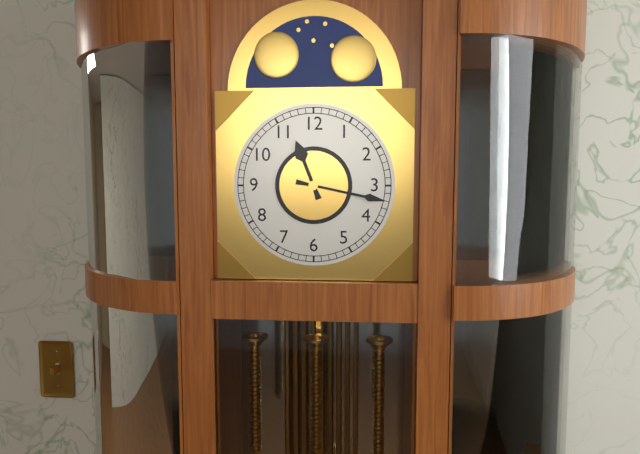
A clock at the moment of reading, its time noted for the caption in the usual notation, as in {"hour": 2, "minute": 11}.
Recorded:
{"hour": 11, "minute": 17}
